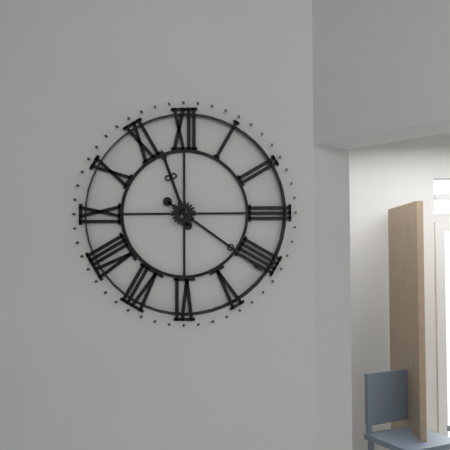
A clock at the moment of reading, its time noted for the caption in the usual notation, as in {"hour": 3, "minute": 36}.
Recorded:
{"hour": 11, "minute": 21}
